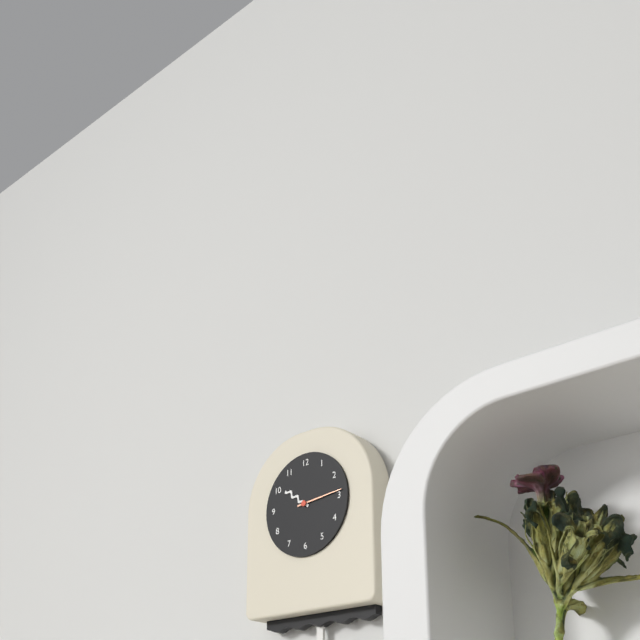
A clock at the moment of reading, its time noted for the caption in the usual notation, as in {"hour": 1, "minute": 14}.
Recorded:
{"hour": 10, "minute": 14}
